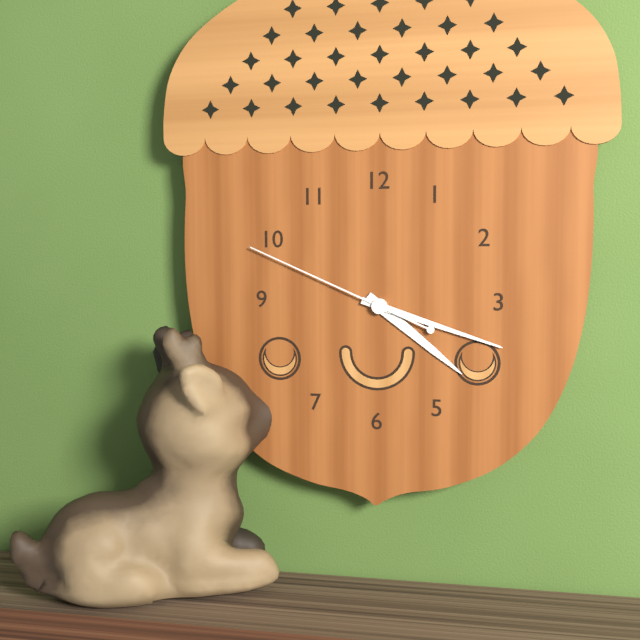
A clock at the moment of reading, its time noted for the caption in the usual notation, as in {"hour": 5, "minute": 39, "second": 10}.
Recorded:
{"hour": 4, "minute": 18, "second": 49}
